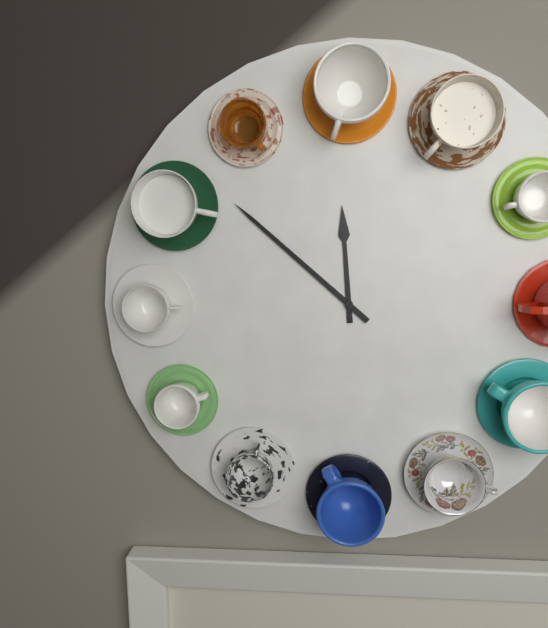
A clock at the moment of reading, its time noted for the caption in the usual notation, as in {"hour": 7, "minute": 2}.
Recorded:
{"hour": 11, "minute": 52}
